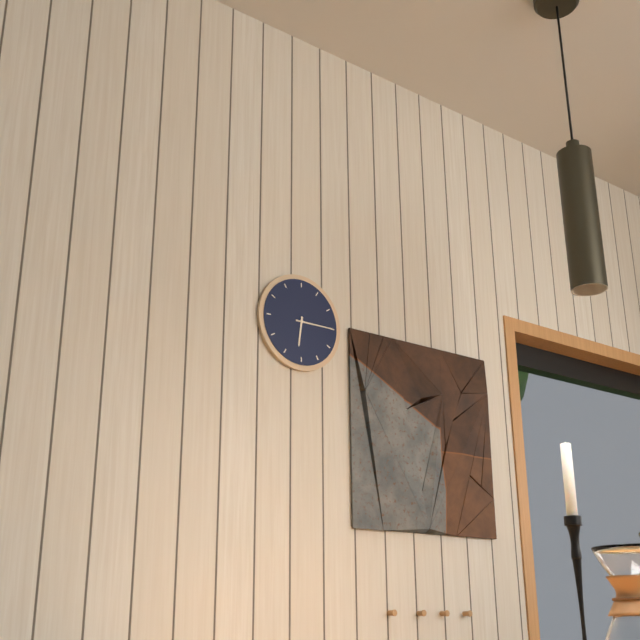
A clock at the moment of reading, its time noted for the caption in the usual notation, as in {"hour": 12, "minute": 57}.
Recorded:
{"hour": 6, "minute": 15}
